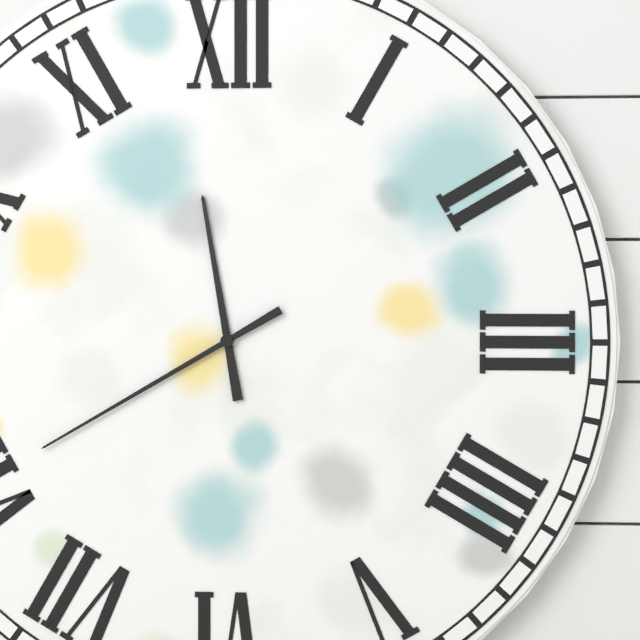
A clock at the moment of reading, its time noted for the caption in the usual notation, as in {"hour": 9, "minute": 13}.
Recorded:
{"hour": 11, "minute": 40}
